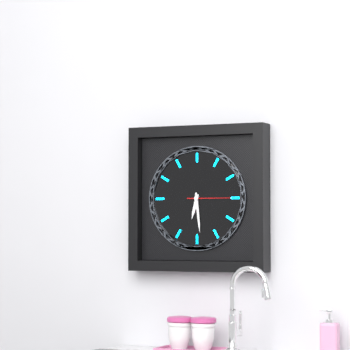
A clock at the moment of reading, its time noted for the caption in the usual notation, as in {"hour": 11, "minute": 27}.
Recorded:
{"hour": 6, "minute": 29}
